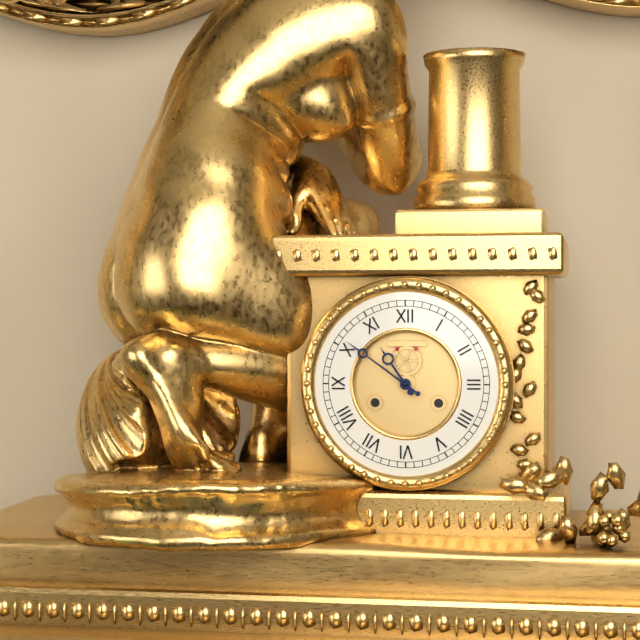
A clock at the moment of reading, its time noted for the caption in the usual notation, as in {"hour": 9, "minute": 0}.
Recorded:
{"hour": 10, "minute": 51}
